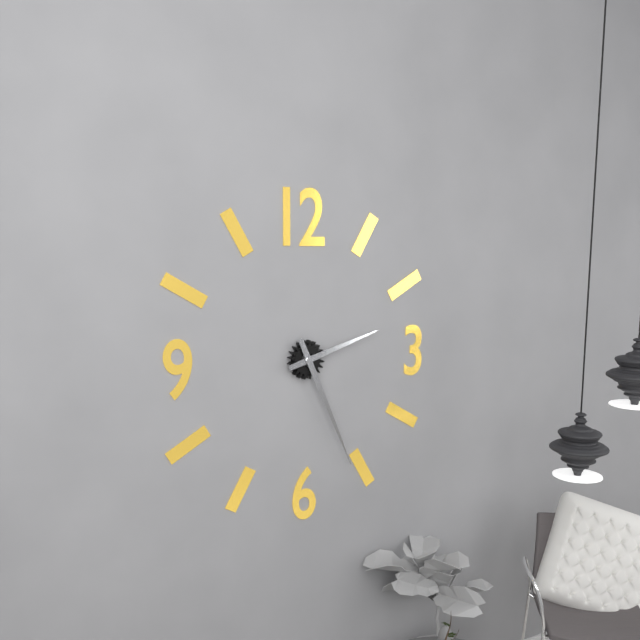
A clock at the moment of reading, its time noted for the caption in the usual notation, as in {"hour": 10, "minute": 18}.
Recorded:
{"hour": 2, "minute": 26}
